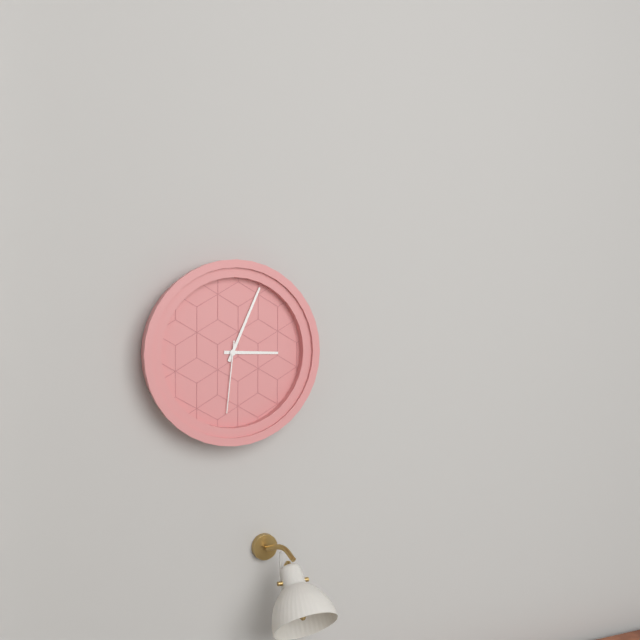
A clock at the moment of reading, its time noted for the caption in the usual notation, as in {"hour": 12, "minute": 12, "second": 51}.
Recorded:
{"hour": 3, "minute": 4, "second": 31}
